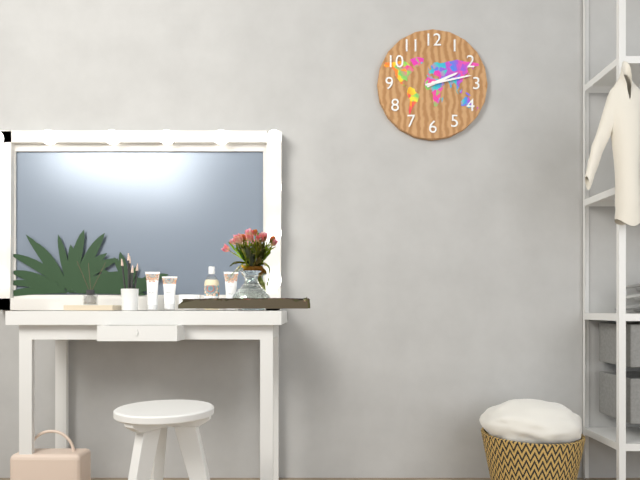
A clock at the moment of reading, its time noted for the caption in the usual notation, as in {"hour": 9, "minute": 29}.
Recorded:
{"hour": 2, "minute": 13}
